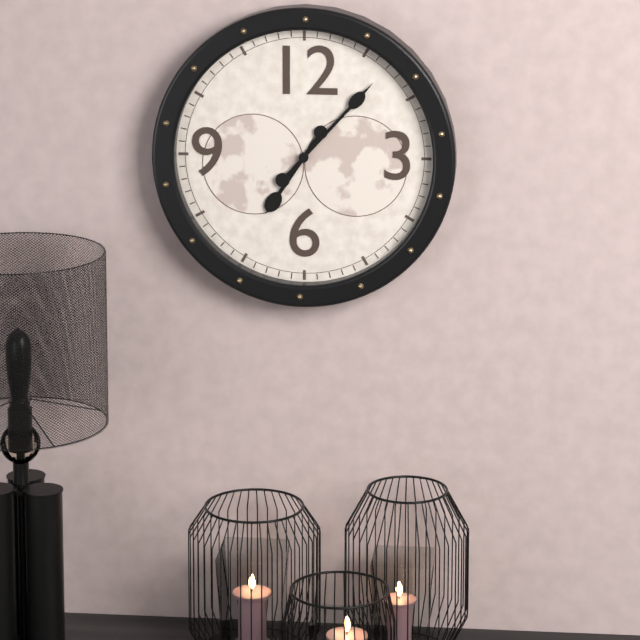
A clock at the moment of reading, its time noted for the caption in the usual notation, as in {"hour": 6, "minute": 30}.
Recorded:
{"hour": 7, "minute": 7}
